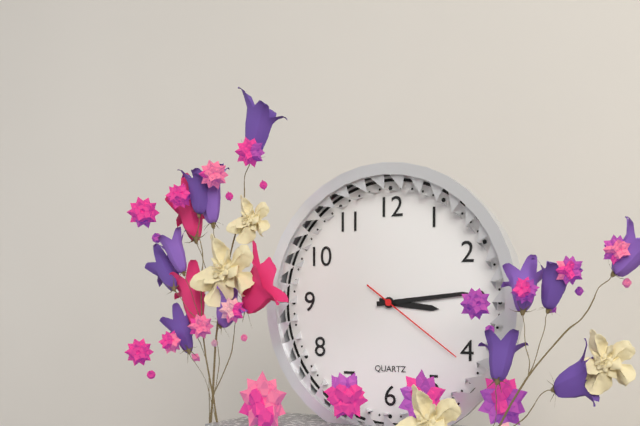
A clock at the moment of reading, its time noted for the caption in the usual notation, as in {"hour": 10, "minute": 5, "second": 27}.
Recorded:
{"hour": 3, "minute": 14, "second": 21}
